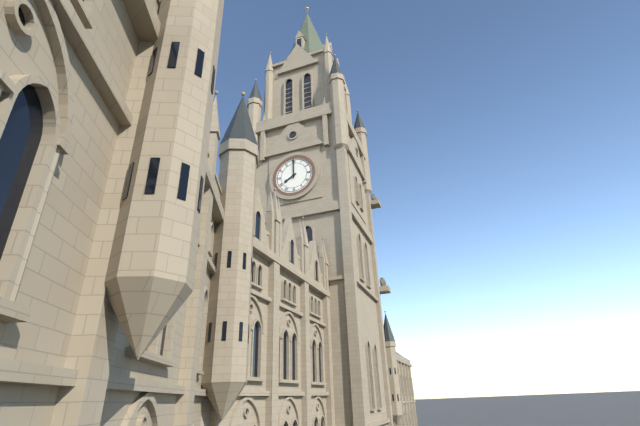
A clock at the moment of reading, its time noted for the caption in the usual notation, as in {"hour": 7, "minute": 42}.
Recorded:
{"hour": 8, "minute": 0}
